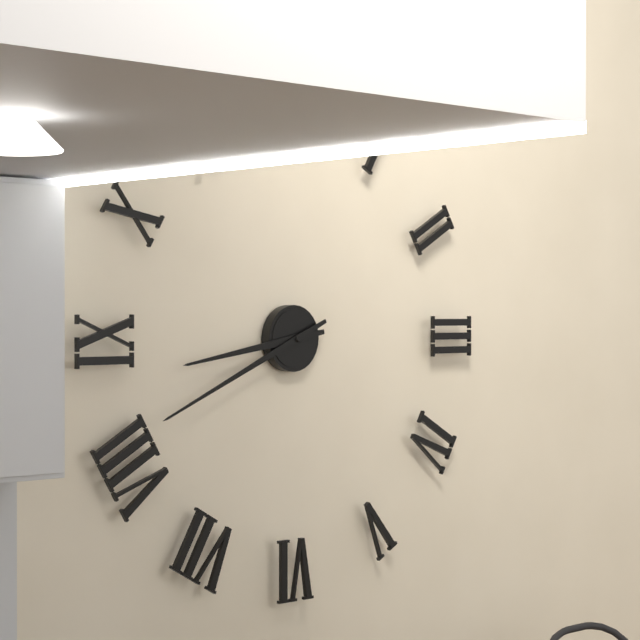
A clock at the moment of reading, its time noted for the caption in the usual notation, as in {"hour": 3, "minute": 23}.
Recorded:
{"hour": 8, "minute": 41}
